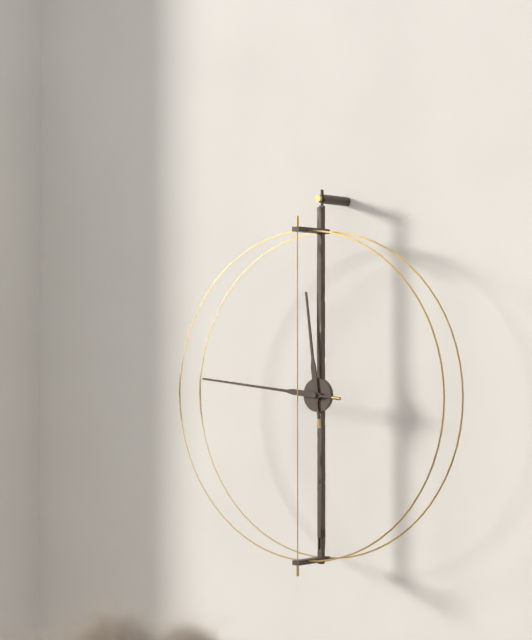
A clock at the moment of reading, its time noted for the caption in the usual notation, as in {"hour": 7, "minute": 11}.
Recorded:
{"hour": 11, "minute": 46}
